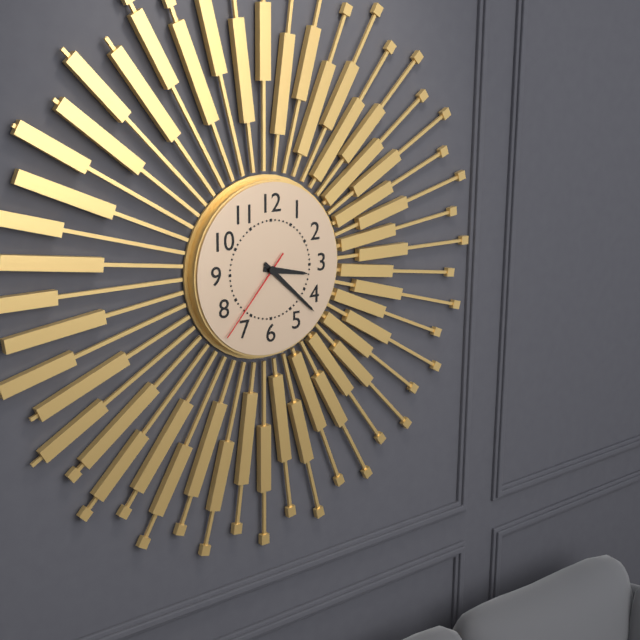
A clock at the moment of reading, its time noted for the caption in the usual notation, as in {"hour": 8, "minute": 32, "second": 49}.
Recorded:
{"hour": 3, "minute": 22, "second": 37}
